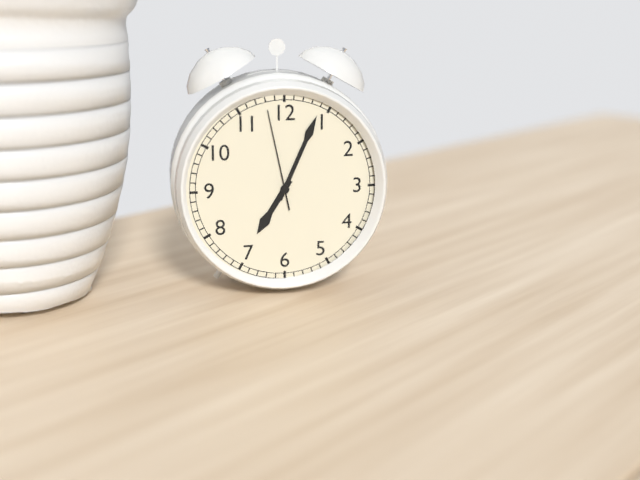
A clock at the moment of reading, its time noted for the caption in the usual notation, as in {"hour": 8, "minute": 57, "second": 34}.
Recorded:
{"hour": 7, "minute": 4, "second": 58}
